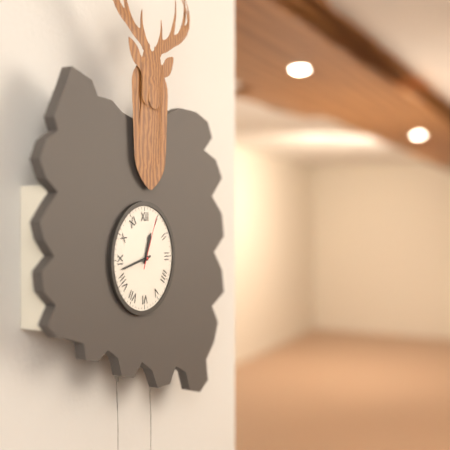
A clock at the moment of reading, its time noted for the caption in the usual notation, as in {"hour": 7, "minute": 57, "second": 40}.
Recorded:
{"hour": 12, "minute": 43, "second": 4}
